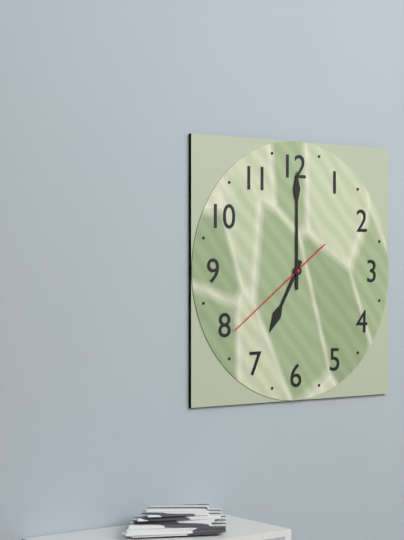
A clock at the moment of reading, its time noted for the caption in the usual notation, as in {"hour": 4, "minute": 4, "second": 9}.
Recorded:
{"hour": 7, "minute": 0, "second": 39}
